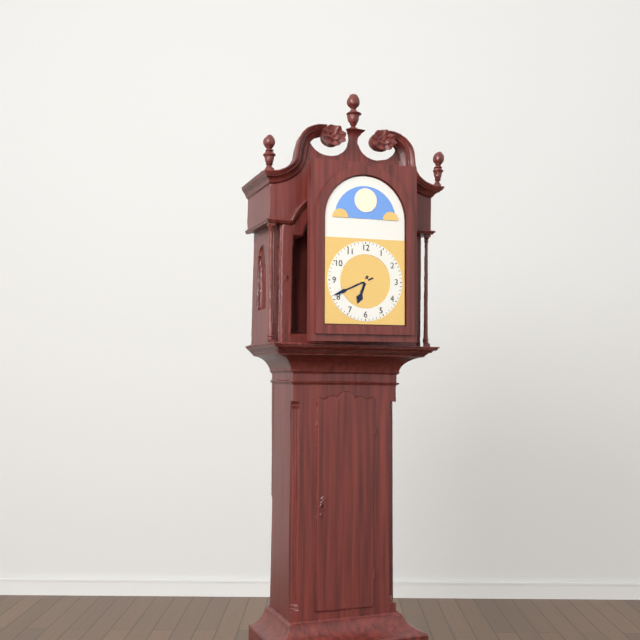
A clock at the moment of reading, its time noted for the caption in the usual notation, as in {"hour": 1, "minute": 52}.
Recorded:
{"hour": 6, "minute": 41}
